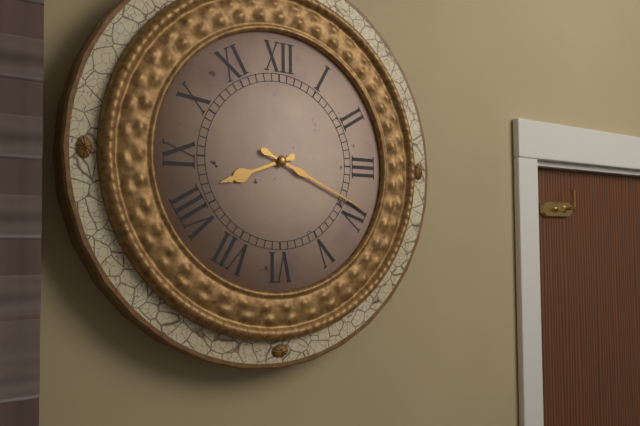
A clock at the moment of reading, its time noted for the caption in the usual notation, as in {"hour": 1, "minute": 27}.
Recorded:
{"hour": 8, "minute": 19}
